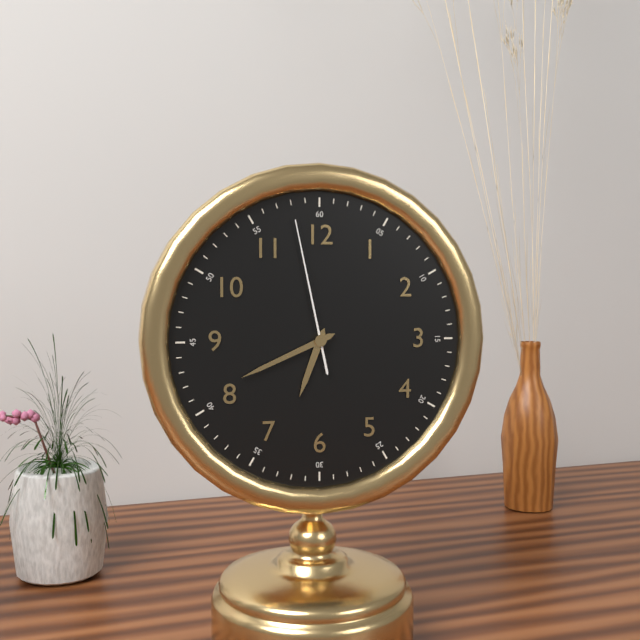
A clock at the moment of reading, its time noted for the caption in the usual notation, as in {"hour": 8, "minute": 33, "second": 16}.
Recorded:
{"hour": 6, "minute": 41, "second": 58}
